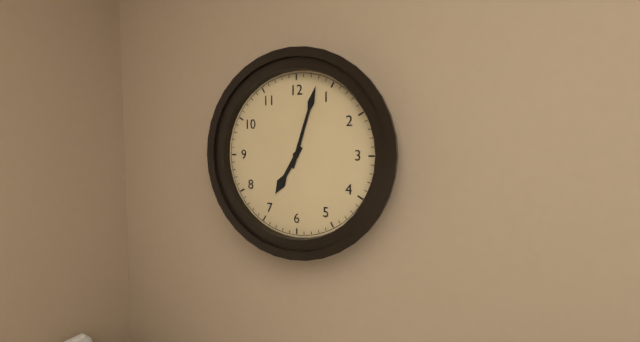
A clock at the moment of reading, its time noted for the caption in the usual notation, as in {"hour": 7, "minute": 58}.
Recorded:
{"hour": 7, "minute": 3}
